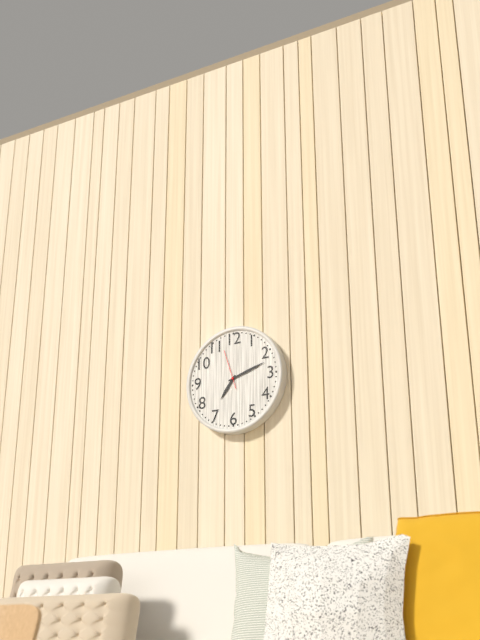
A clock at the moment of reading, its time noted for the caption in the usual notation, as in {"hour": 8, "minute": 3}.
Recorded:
{"hour": 7, "minute": 12}
